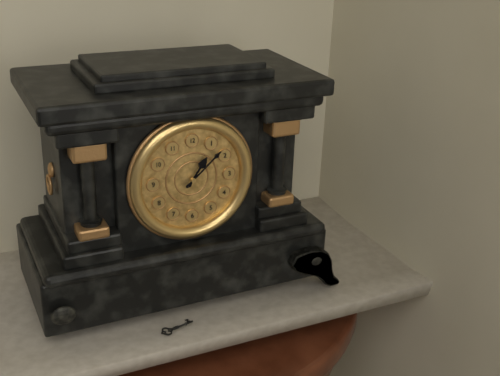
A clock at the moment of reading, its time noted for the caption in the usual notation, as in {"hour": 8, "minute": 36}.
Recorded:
{"hour": 1, "minute": 8}
